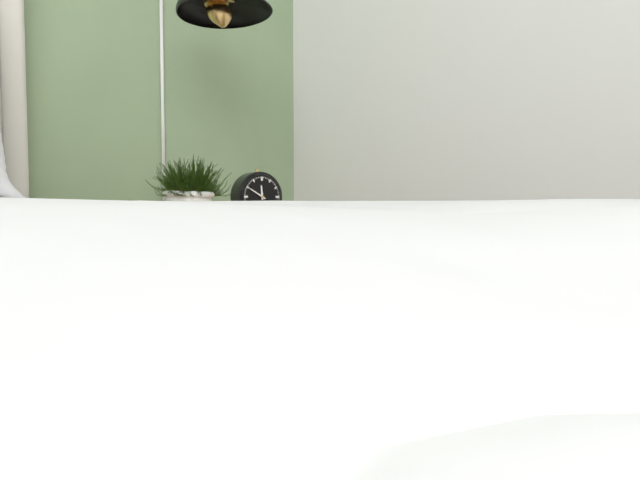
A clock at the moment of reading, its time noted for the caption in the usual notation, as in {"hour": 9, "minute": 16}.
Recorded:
{"hour": 11, "minute": 50}
